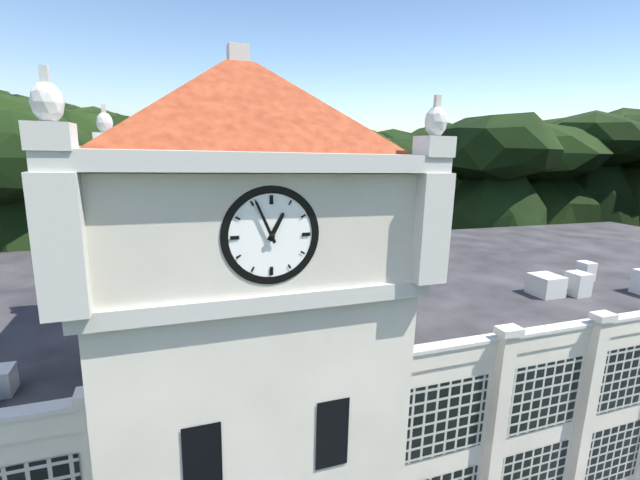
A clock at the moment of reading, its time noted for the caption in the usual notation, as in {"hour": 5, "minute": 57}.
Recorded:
{"hour": 12, "minute": 56}
